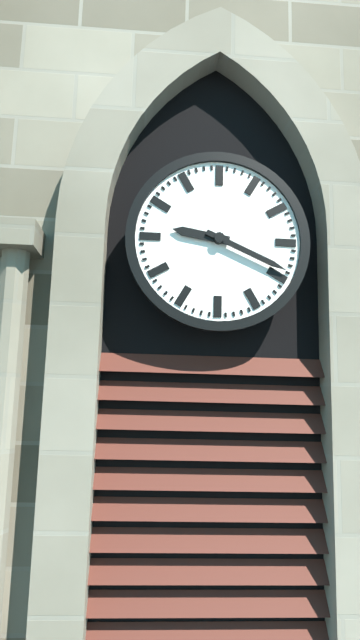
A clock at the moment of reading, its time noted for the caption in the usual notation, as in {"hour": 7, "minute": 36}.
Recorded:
{"hour": 9, "minute": 19}
